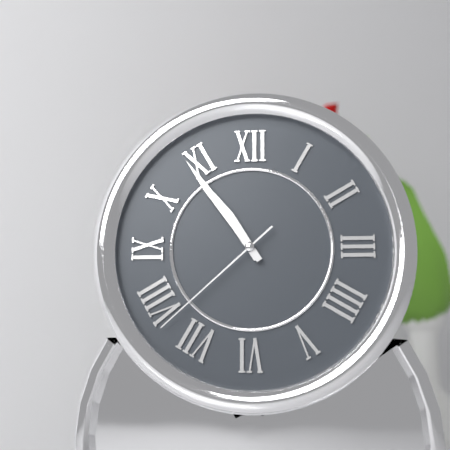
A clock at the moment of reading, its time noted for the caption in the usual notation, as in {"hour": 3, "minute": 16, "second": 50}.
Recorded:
{"hour": 10, "minute": 54, "second": 38}
